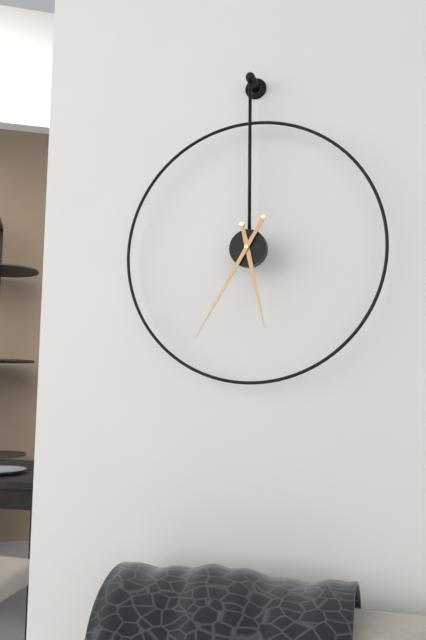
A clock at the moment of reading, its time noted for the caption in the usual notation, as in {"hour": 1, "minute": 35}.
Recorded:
{"hour": 5, "minute": 35}
